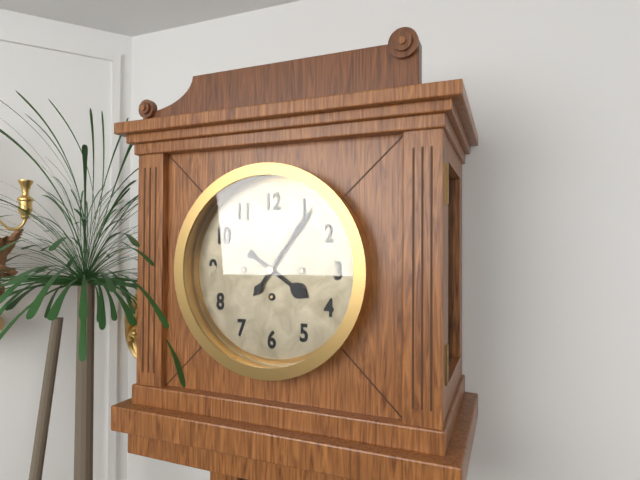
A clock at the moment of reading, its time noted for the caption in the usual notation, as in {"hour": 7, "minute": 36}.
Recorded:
{"hour": 4, "minute": 6}
